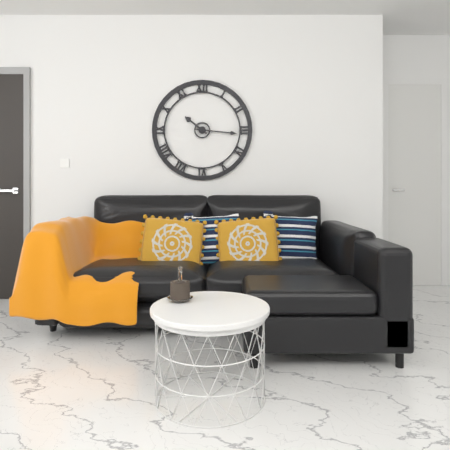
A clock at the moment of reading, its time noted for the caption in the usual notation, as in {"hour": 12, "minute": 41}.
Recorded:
{"hour": 10, "minute": 16}
